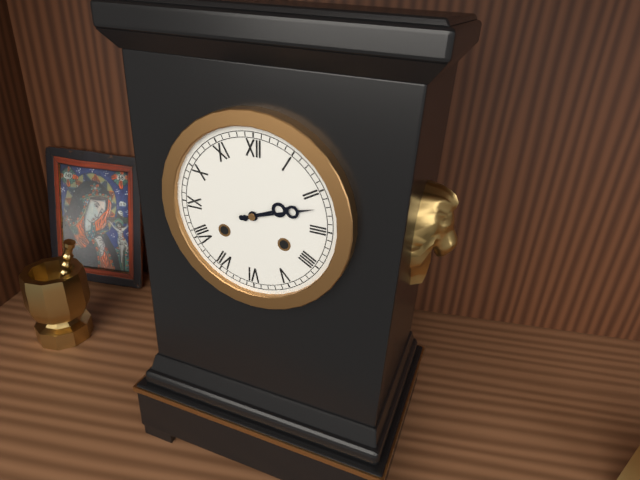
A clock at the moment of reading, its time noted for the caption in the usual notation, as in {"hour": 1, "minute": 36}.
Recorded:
{"hour": 2, "minute": 12}
